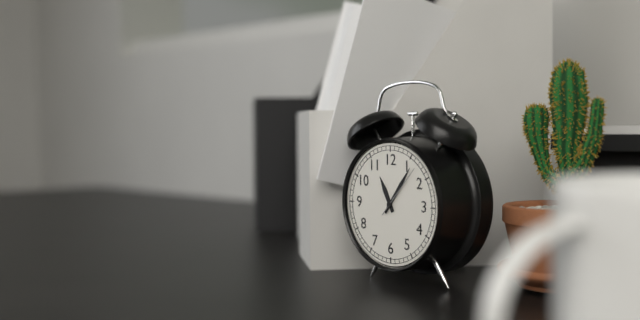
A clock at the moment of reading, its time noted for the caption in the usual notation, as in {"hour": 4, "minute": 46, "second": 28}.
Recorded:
{"hour": 11, "minute": 6, "second": 7}
